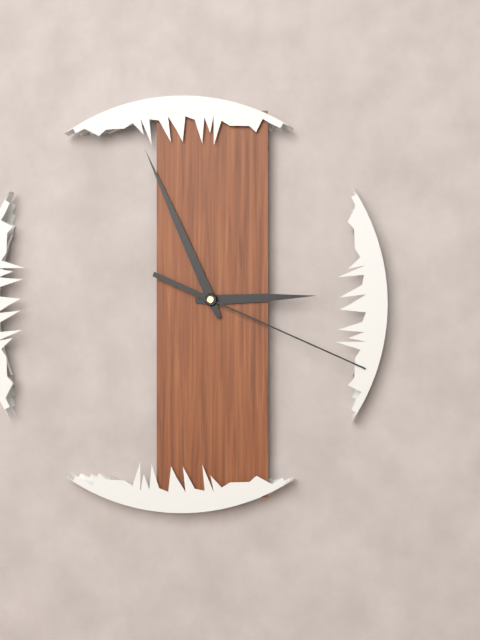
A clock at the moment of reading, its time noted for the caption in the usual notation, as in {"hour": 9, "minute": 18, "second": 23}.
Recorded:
{"hour": 2, "minute": 56, "second": 19}
